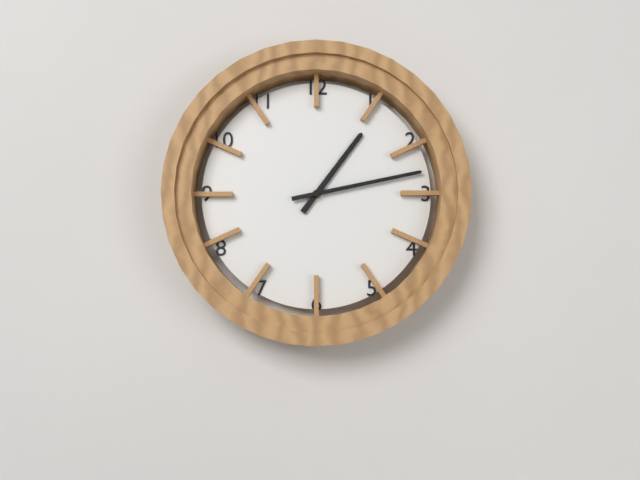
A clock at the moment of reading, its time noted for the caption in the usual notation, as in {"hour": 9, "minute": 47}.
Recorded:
{"hour": 1, "minute": 13}
